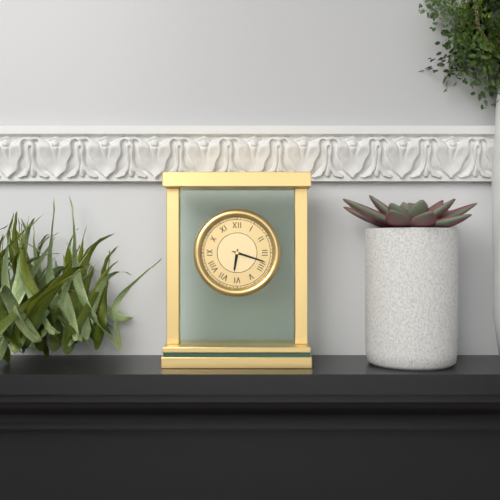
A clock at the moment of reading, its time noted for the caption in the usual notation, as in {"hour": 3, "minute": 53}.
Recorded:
{"hour": 6, "minute": 18}
